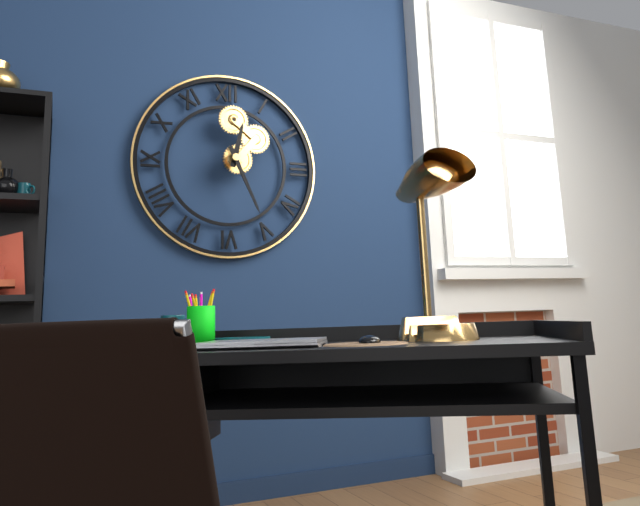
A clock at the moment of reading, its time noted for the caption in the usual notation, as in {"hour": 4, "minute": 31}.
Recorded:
{"hour": 12, "minute": 26}
